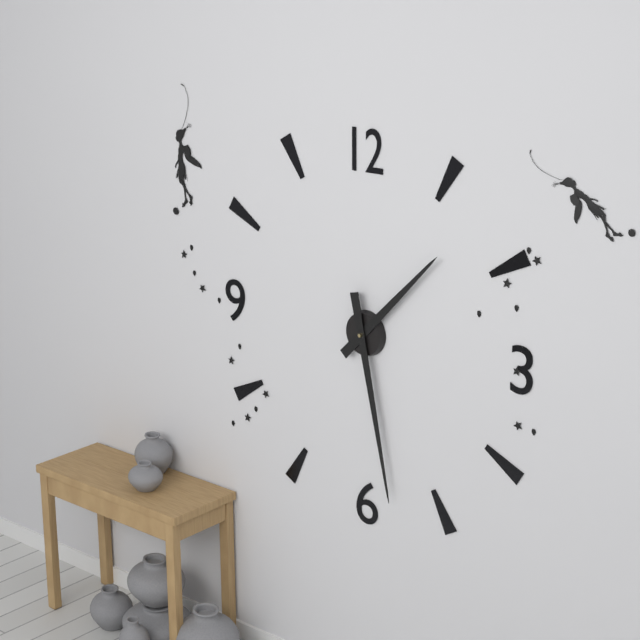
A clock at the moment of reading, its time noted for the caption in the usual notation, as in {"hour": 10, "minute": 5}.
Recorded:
{"hour": 1, "minute": 28}
